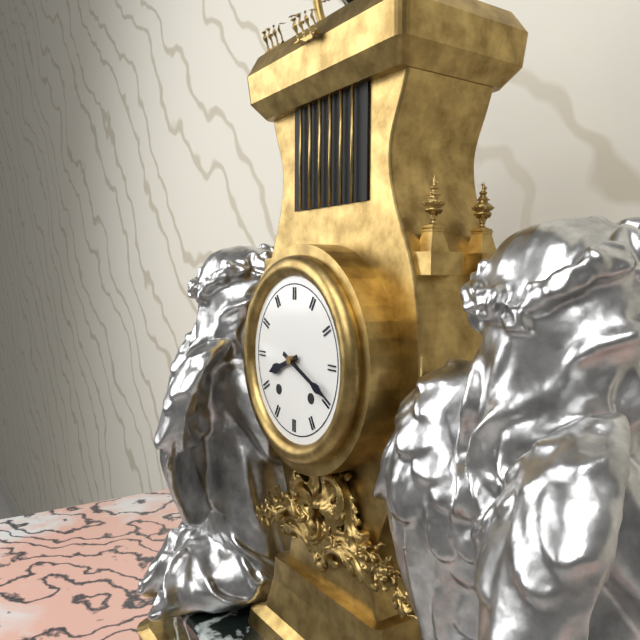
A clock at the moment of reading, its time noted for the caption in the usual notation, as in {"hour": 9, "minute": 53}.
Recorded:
{"hour": 8, "minute": 19}
